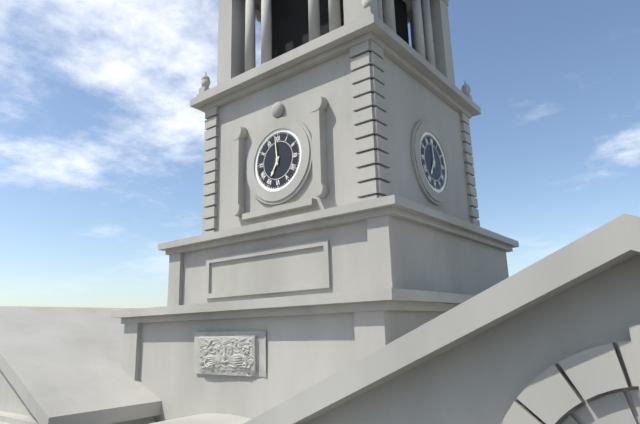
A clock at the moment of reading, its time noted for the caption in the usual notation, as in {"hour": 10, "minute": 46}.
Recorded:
{"hour": 6, "minute": 59}
